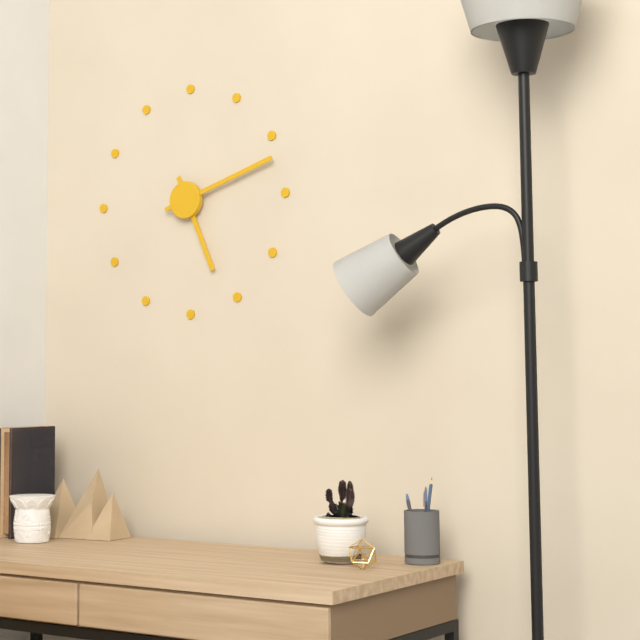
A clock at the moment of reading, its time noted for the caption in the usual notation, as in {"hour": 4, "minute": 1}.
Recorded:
{"hour": 5, "minute": 12}
